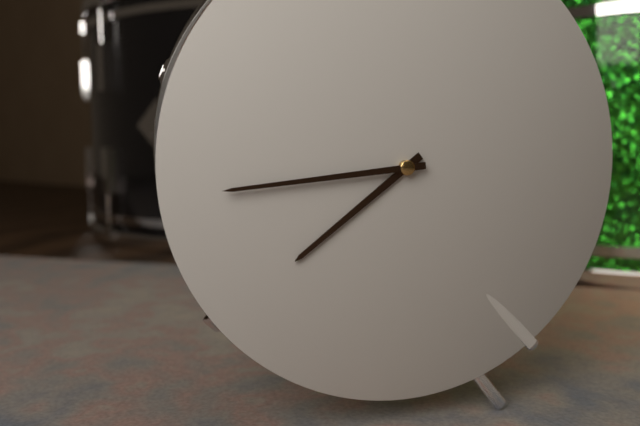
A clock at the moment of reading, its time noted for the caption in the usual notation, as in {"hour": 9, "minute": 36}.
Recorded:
{"hour": 7, "minute": 44}
